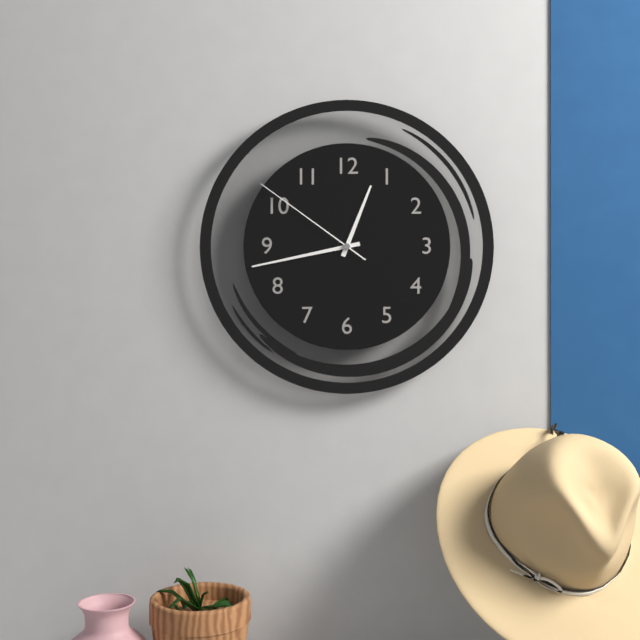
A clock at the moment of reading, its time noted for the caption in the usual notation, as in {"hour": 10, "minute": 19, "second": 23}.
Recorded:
{"hour": 12, "minute": 43, "second": 51}
